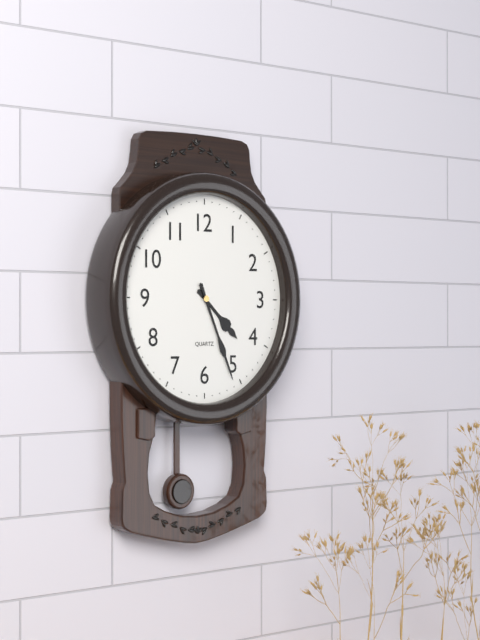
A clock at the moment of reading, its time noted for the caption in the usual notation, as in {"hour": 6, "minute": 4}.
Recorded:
{"hour": 4, "minute": 26}
